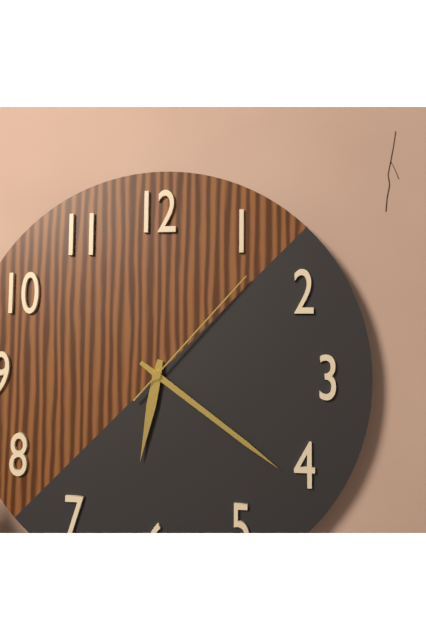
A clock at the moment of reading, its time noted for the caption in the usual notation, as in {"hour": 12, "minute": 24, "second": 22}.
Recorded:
{"hour": 6, "minute": 21, "second": 7}
